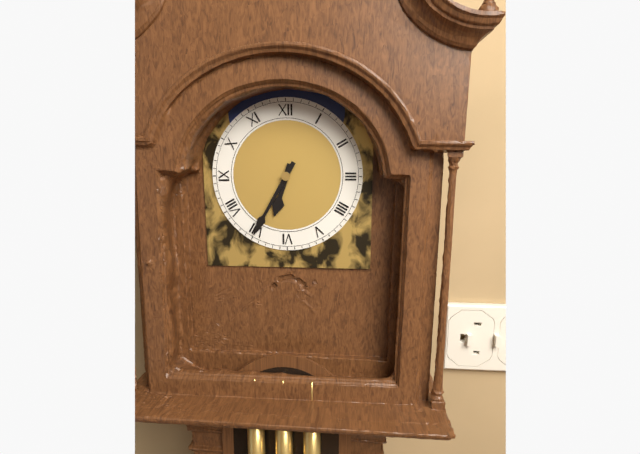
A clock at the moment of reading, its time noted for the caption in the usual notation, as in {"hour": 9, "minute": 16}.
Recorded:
{"hour": 6, "minute": 35}
